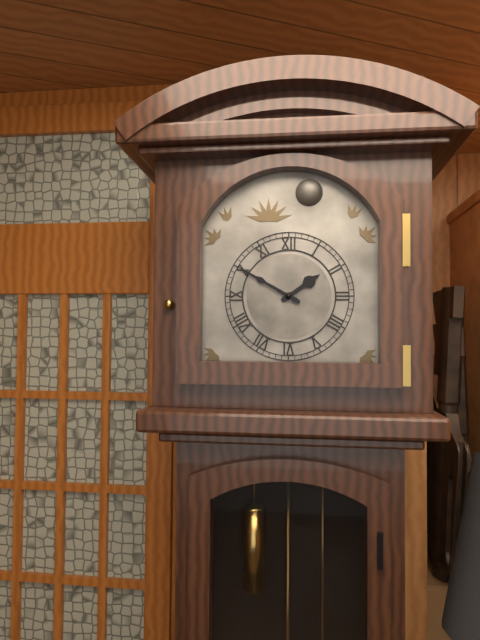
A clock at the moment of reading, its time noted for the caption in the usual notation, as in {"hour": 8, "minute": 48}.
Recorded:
{"hour": 1, "minute": 50}
